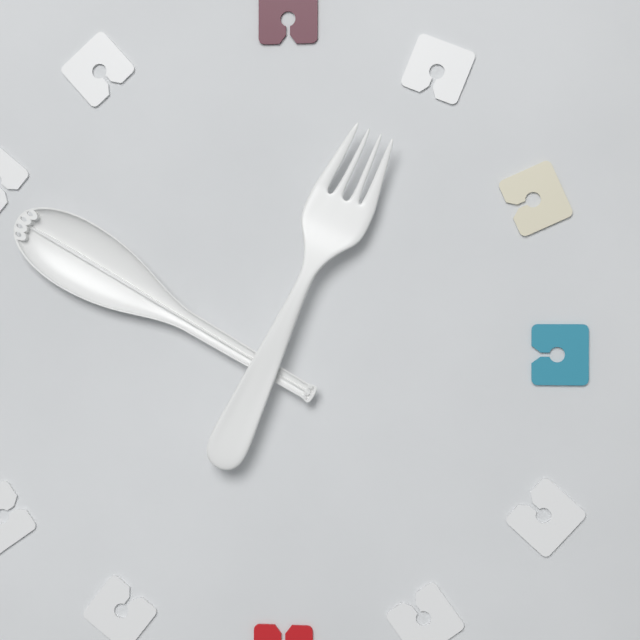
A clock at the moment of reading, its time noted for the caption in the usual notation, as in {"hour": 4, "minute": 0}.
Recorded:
{"hour": 12, "minute": 50}
